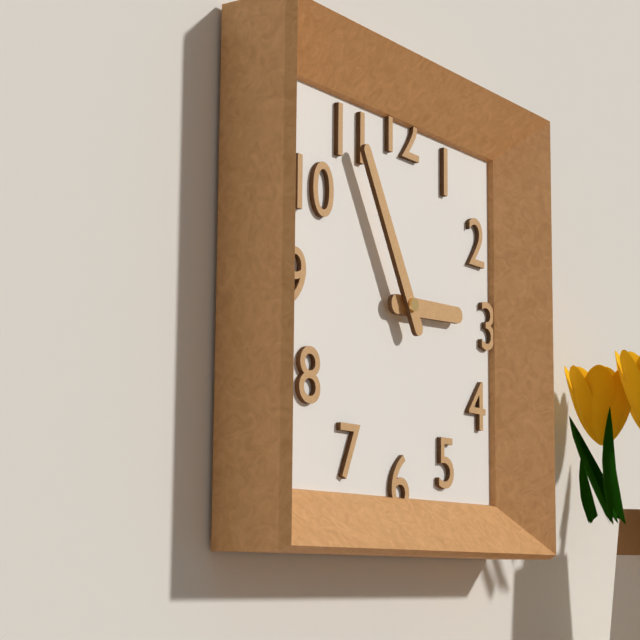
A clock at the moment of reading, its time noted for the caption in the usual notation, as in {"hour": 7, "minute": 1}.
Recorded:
{"hour": 2, "minute": 55}
